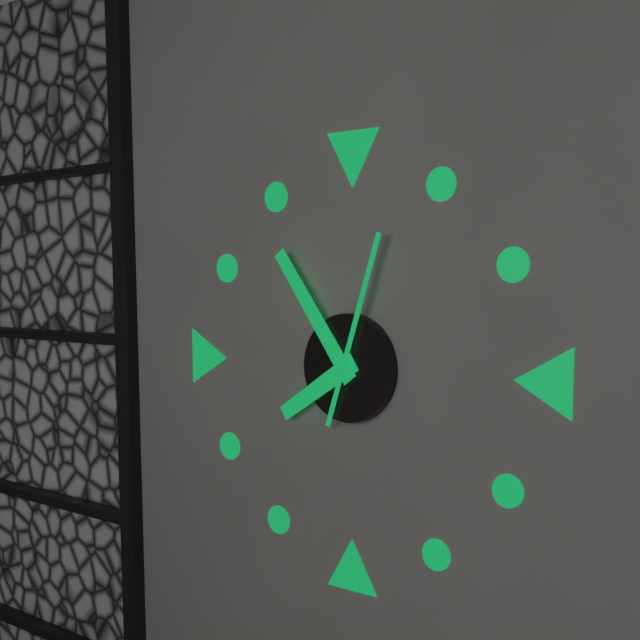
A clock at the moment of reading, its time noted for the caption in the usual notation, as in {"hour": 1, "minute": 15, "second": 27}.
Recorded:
{"hour": 7, "minute": 54, "second": 3}
